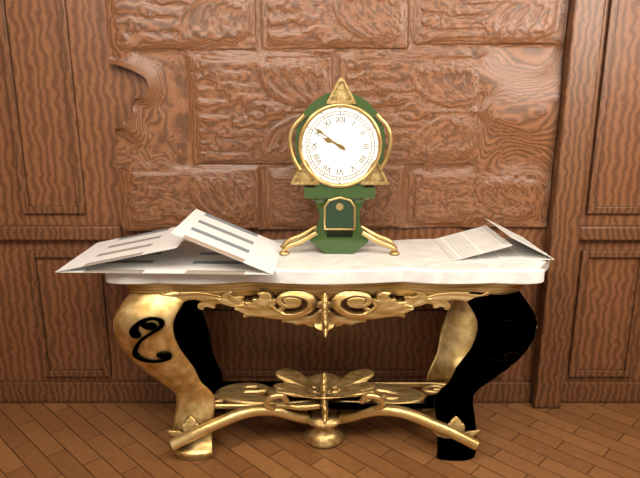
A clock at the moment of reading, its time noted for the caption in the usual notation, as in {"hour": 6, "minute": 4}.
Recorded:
{"hour": 9, "minute": 51}
